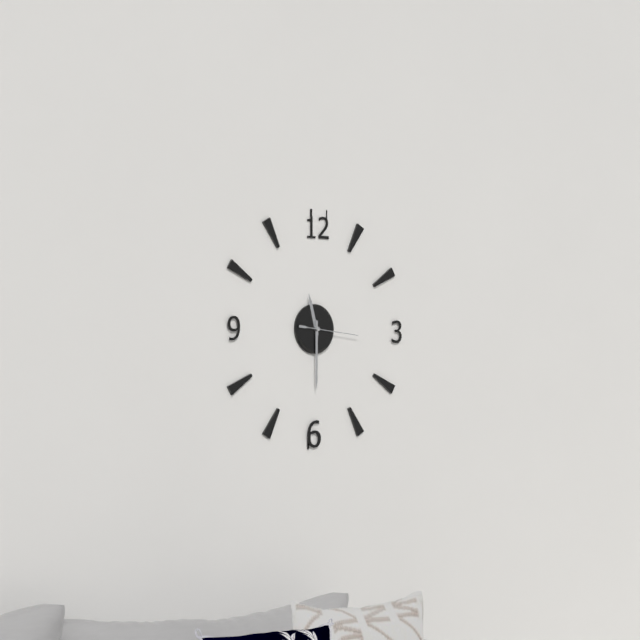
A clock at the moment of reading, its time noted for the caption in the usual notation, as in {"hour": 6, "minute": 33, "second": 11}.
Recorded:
{"hour": 11, "minute": 30, "second": 16}
